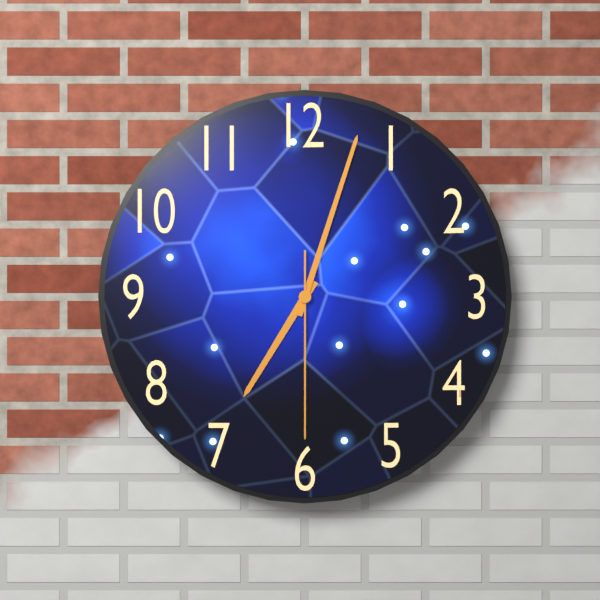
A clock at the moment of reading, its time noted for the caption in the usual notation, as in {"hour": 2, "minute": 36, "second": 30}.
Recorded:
{"hour": 7, "minute": 3, "second": 30}
